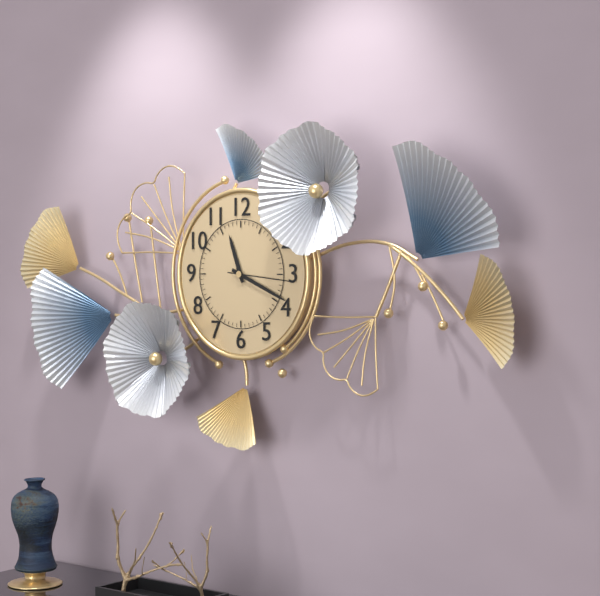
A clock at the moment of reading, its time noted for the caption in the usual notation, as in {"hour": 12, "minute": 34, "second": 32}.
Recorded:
{"hour": 11, "minute": 19, "second": 16}
